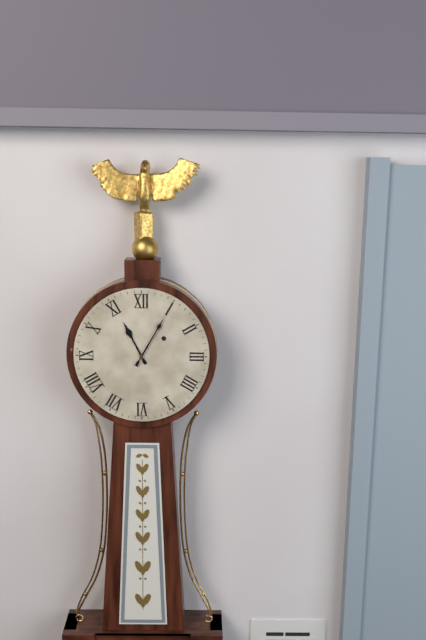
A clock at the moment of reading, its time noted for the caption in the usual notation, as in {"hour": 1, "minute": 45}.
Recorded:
{"hour": 11, "minute": 5}
